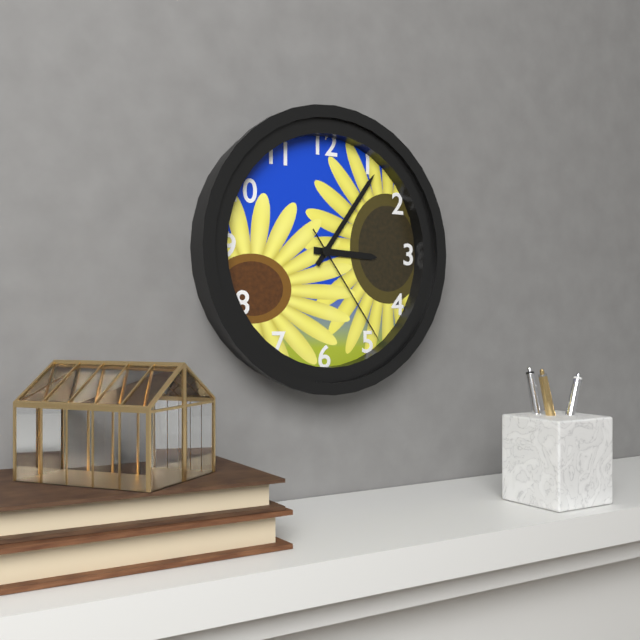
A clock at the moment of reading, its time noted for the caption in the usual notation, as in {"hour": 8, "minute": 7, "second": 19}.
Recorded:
{"hour": 3, "minute": 6, "second": 24}
